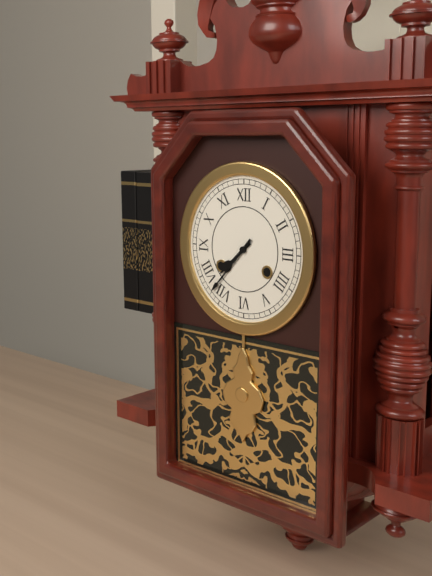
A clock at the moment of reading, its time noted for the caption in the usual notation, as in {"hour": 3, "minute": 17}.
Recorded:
{"hour": 7, "minute": 37}
